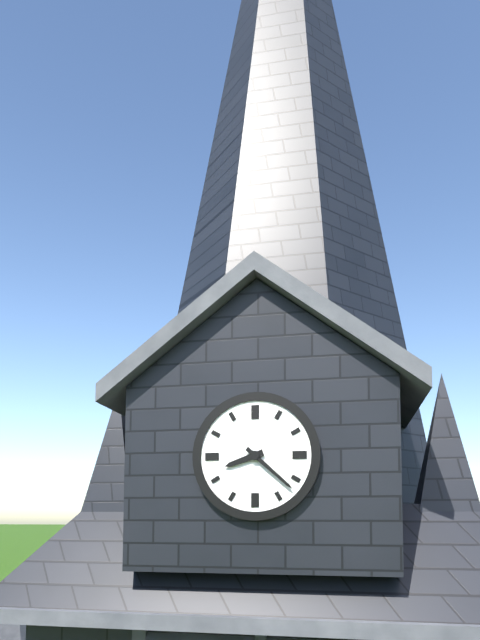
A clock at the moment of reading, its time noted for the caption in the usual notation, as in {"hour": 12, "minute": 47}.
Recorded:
{"hour": 8, "minute": 22}
